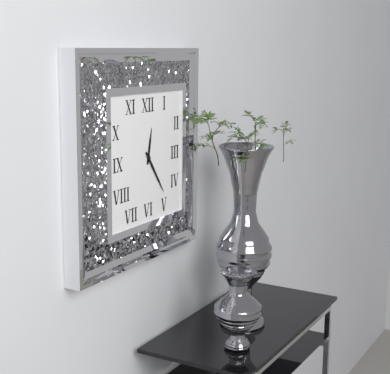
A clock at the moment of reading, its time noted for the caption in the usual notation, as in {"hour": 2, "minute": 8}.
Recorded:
{"hour": 12, "minute": 24}
